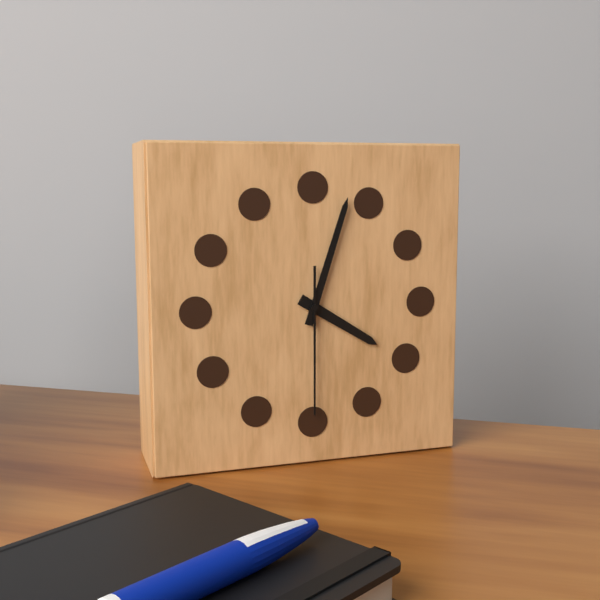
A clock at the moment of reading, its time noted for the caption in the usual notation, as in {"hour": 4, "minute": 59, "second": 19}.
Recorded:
{"hour": 4, "minute": 3, "second": 30}
